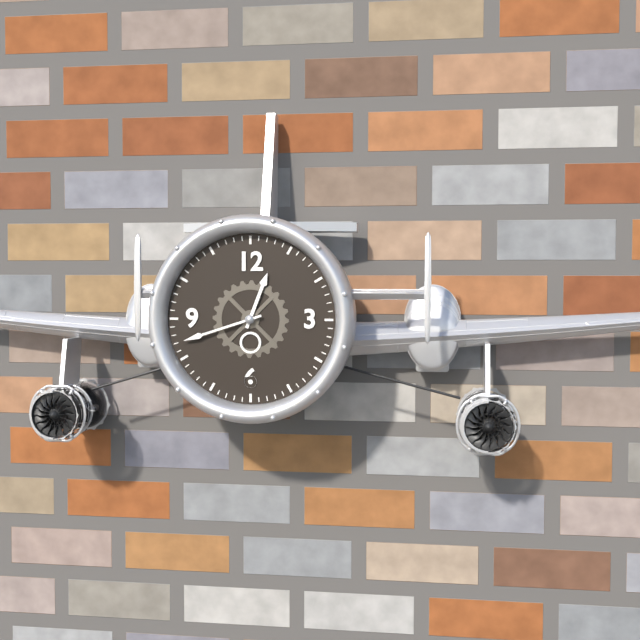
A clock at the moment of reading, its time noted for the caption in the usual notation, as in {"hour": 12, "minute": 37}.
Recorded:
{"hour": 12, "minute": 42}
